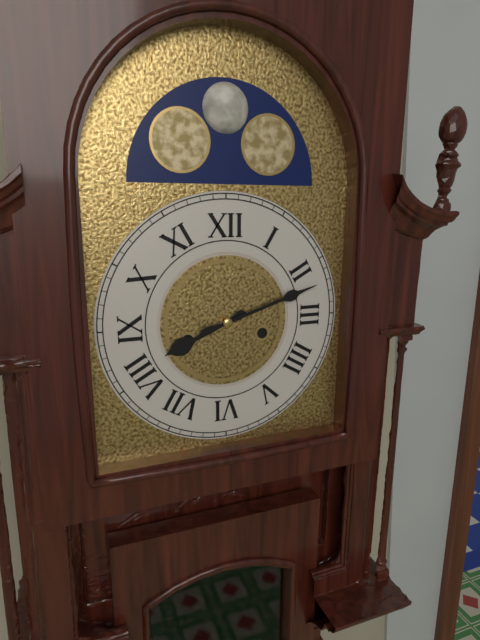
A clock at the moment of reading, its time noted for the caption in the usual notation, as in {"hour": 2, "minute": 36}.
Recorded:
{"hour": 8, "minute": 12}
